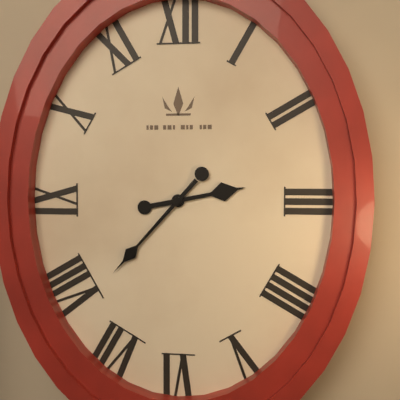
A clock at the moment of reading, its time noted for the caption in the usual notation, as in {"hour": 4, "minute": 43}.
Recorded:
{"hour": 2, "minute": 37}
